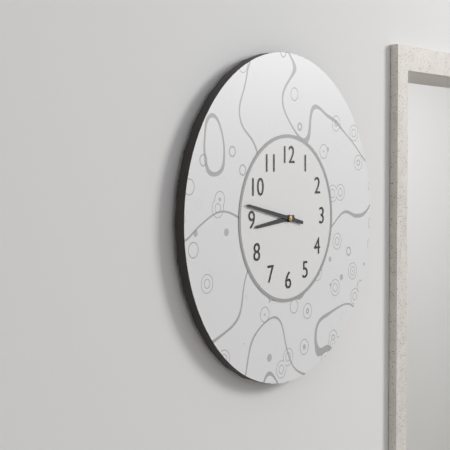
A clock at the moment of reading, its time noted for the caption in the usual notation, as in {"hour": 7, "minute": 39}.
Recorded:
{"hour": 8, "minute": 47}
